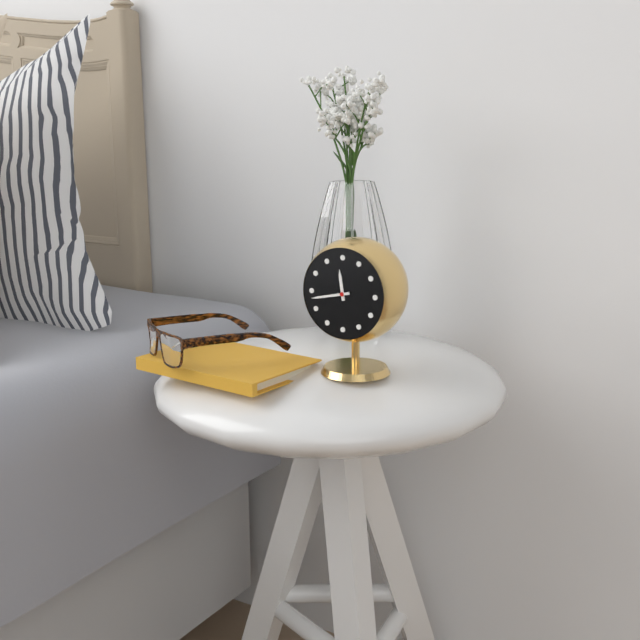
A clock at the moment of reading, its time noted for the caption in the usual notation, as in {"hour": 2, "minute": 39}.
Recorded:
{"hour": 11, "minute": 43}
